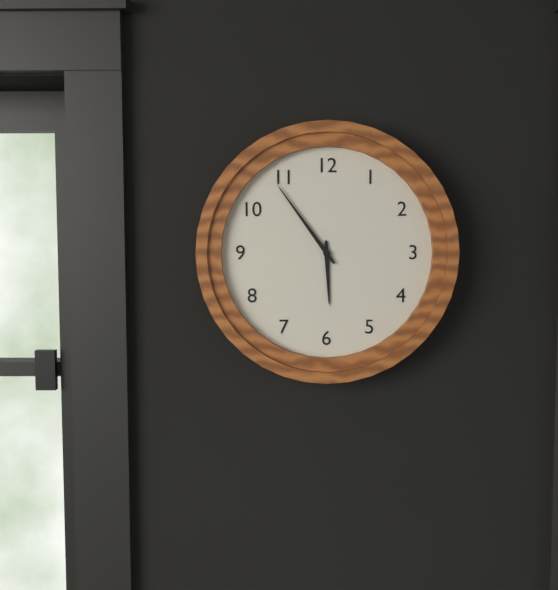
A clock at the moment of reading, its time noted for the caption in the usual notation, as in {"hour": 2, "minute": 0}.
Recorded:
{"hour": 5, "minute": 54}
